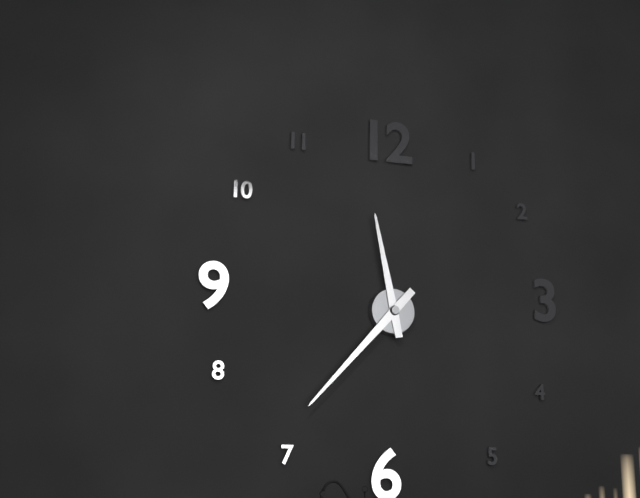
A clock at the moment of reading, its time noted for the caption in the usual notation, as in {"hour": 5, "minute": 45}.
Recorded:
{"hour": 11, "minute": 37}
